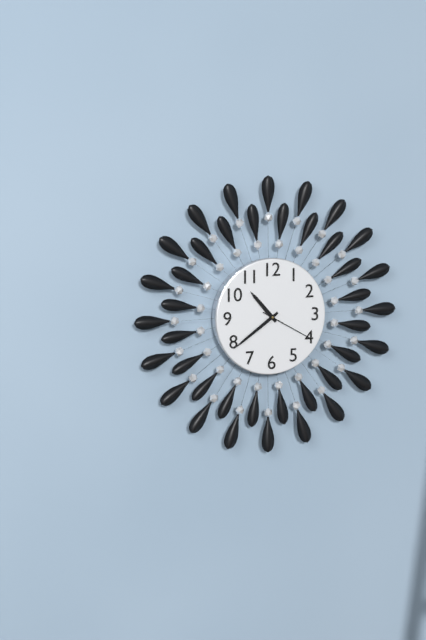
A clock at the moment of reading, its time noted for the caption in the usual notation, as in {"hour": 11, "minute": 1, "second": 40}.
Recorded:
{"hour": 10, "minute": 39, "second": 20}
